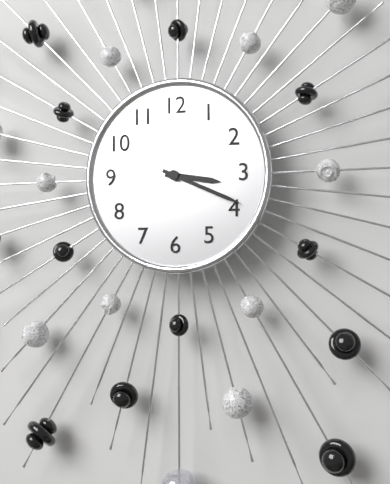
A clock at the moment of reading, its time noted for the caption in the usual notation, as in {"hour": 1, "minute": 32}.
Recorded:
{"hour": 3, "minute": 19}
